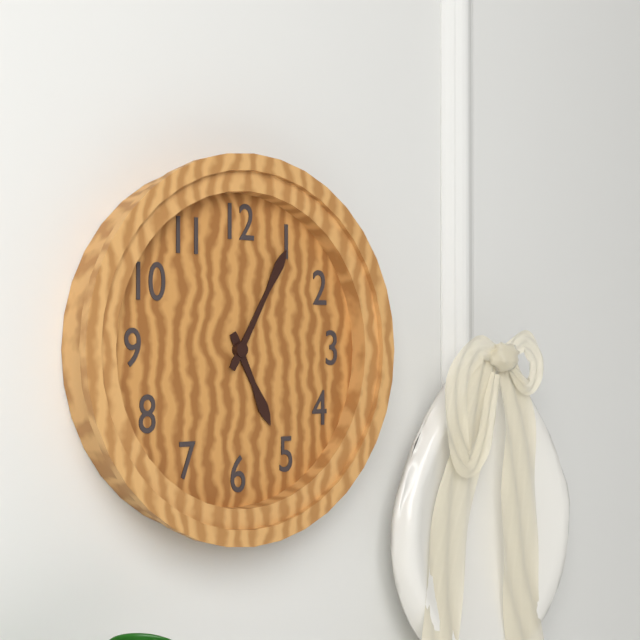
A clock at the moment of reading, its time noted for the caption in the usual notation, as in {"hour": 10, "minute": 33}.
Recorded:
{"hour": 5, "minute": 5}
